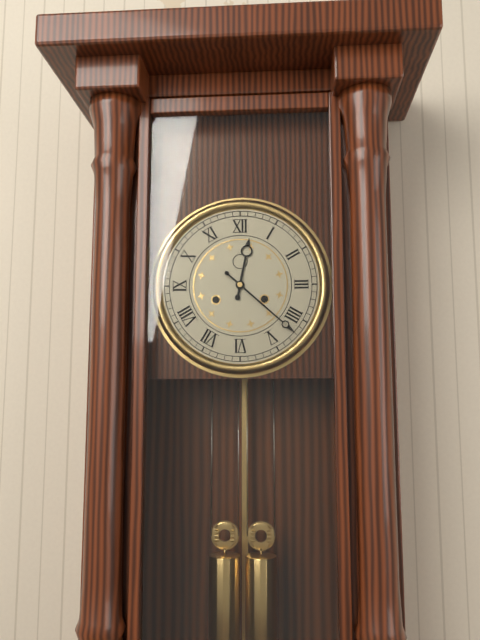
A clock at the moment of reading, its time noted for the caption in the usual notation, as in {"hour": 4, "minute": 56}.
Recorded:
{"hour": 12, "minute": 22}
